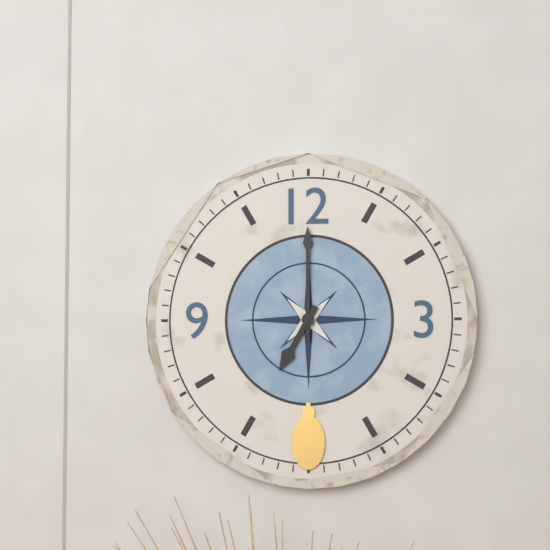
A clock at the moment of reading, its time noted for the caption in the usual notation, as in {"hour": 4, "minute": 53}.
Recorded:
{"hour": 7, "minute": 0}
